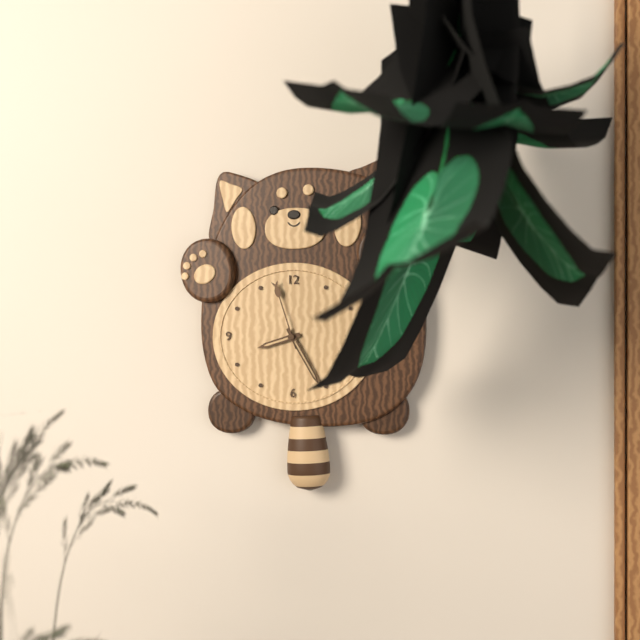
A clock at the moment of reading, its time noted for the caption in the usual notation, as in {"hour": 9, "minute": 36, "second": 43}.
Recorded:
{"hour": 8, "minute": 25, "second": 57}
